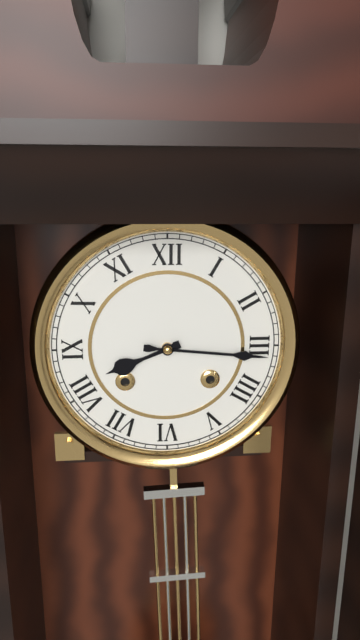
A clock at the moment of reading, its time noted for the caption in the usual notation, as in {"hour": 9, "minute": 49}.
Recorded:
{"hour": 8, "minute": 16}
